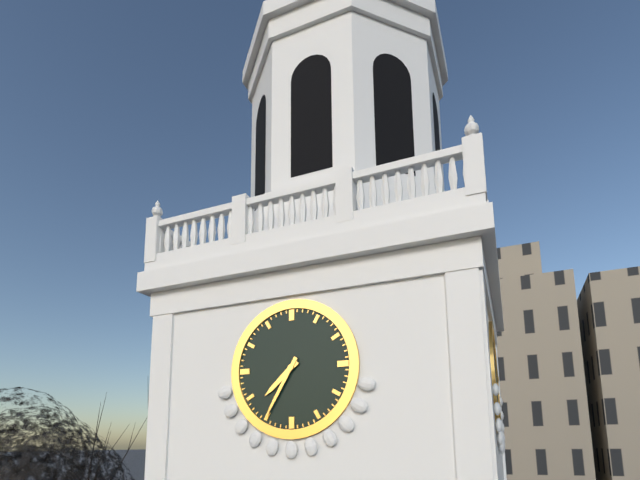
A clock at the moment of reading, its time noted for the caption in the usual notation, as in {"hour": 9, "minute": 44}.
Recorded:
{"hour": 7, "minute": 35}
